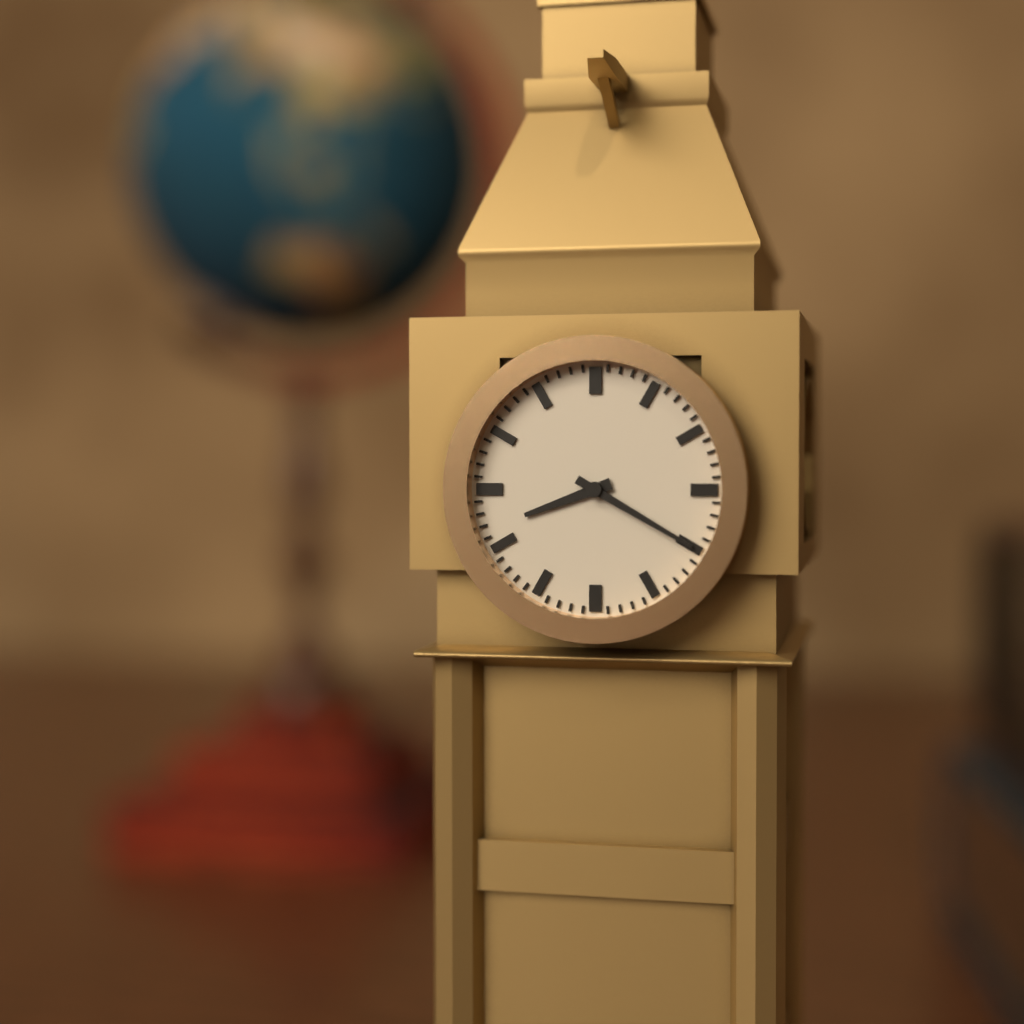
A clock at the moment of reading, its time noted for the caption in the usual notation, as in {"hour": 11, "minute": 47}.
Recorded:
{"hour": 8, "minute": 20}
